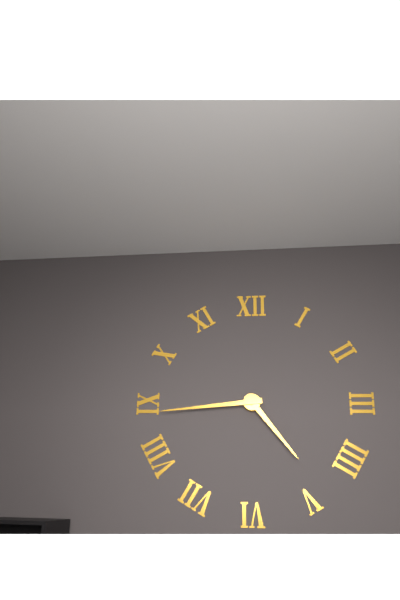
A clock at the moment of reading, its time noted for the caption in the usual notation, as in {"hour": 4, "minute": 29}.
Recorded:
{"hour": 4, "minute": 44}
